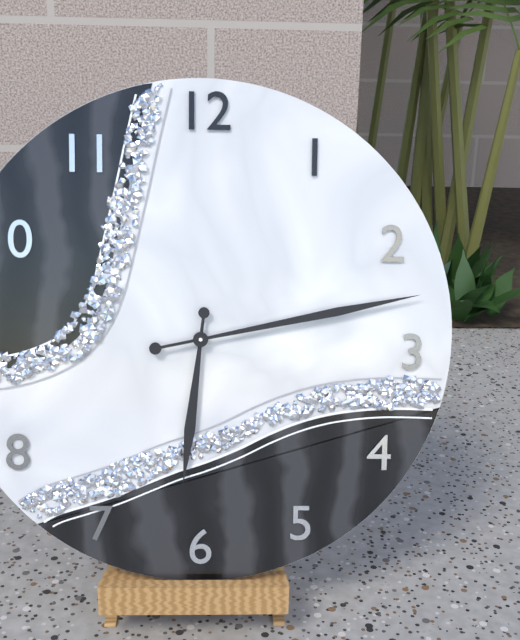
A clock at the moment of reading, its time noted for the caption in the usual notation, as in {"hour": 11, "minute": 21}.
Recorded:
{"hour": 6, "minute": 13}
